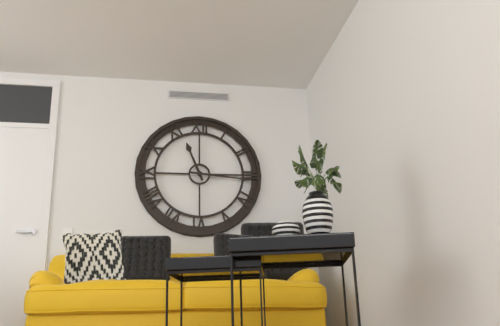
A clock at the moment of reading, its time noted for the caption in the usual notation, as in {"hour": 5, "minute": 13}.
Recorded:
{"hour": 11, "minute": 16}
